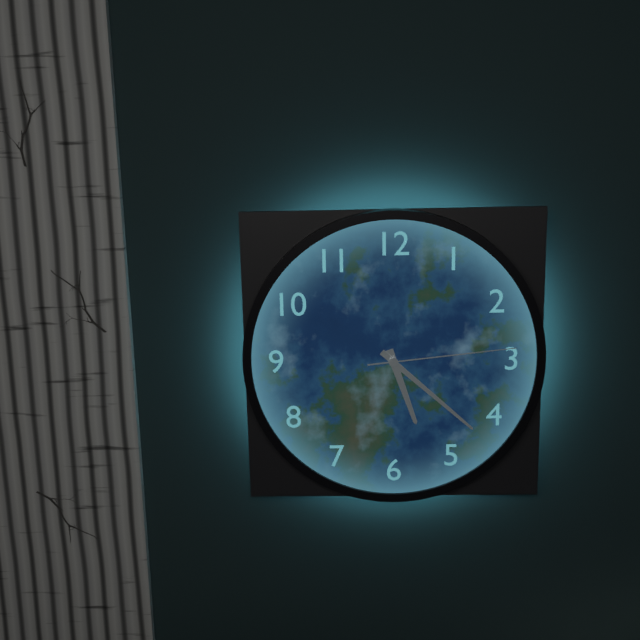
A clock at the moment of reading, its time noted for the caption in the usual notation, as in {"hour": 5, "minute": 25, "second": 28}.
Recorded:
{"hour": 5, "minute": 22, "second": 14}
